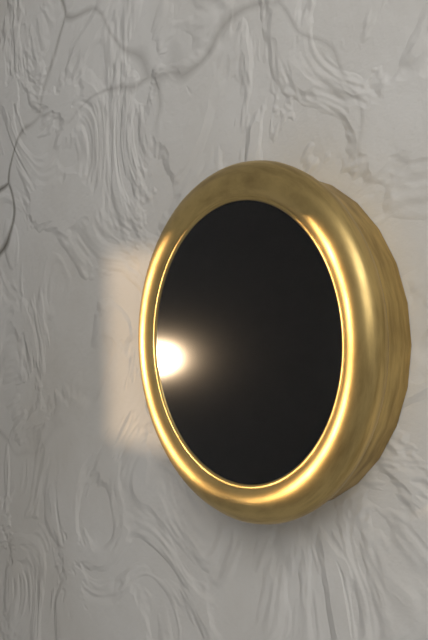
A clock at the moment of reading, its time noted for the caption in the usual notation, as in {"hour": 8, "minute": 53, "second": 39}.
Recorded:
{"hour": 7, "minute": 17, "second": 59}
